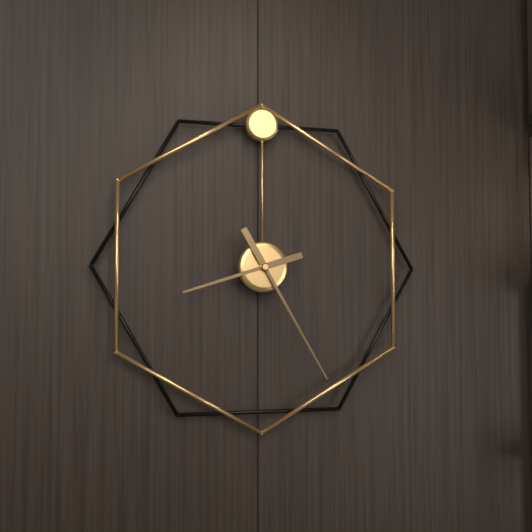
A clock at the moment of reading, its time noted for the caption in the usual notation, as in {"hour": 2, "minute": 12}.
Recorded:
{"hour": 8, "minute": 25}
